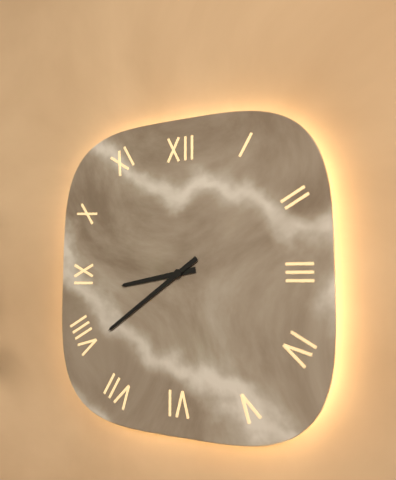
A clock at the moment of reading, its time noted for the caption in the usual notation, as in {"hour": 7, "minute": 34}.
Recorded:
{"hour": 8, "minute": 39}
